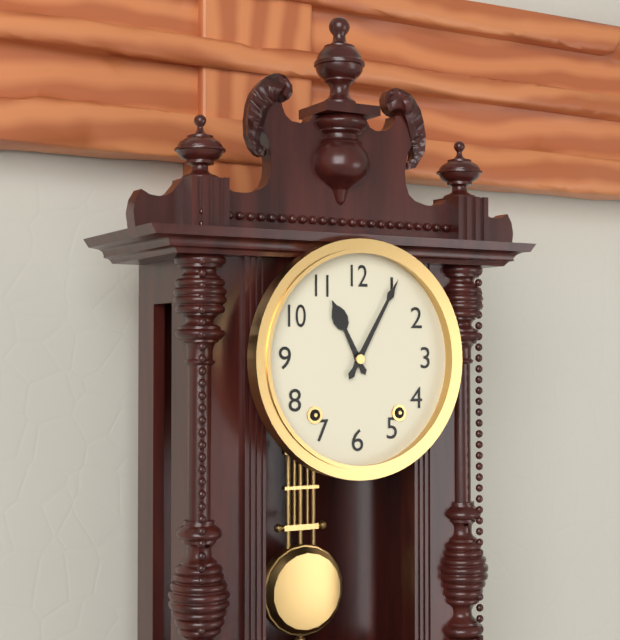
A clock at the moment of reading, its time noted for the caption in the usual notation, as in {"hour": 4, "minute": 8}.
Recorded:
{"hour": 11, "minute": 5}
